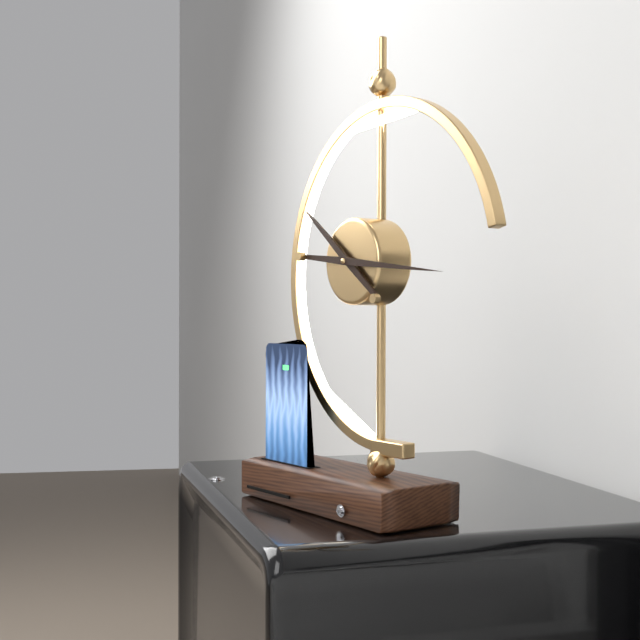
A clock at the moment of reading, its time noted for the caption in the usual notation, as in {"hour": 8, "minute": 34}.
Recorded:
{"hour": 10, "minute": 16}
